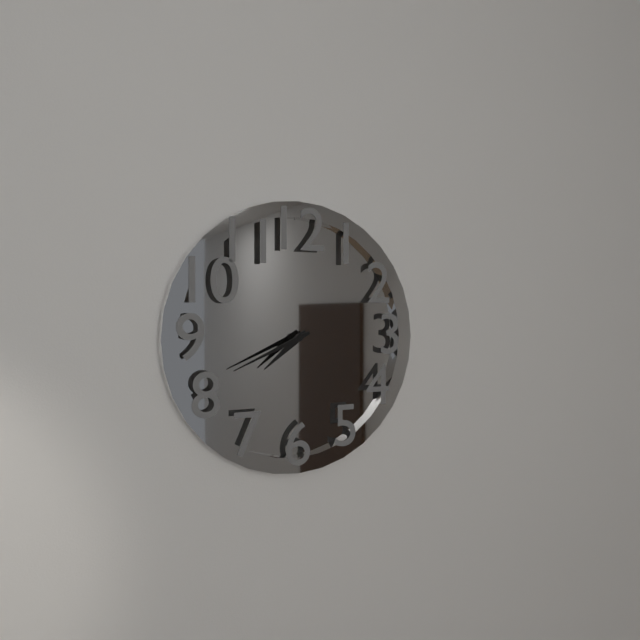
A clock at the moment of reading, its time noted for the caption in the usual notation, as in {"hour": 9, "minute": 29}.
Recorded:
{"hour": 7, "minute": 41}
